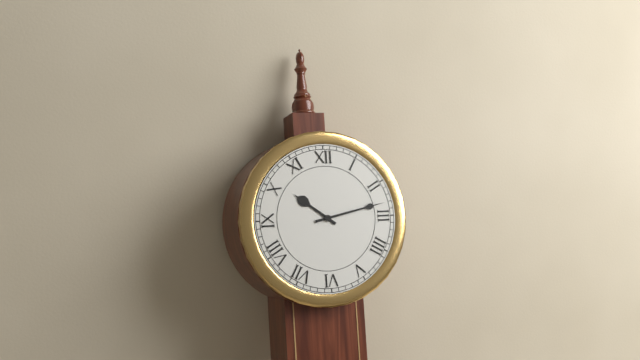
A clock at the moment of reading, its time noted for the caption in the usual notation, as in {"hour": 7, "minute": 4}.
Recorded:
{"hour": 10, "minute": 13}
